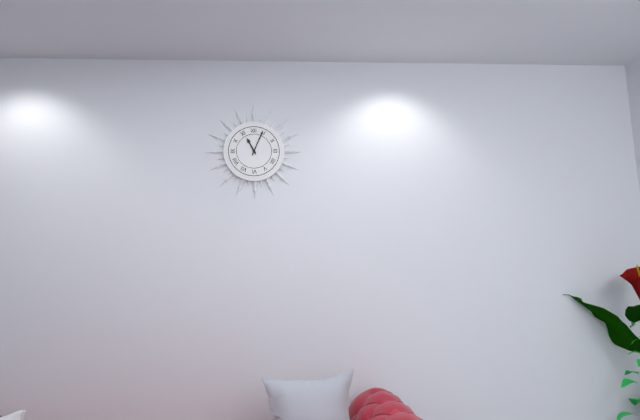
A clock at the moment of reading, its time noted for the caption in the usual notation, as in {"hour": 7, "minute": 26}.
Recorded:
{"hour": 11, "minute": 4}
